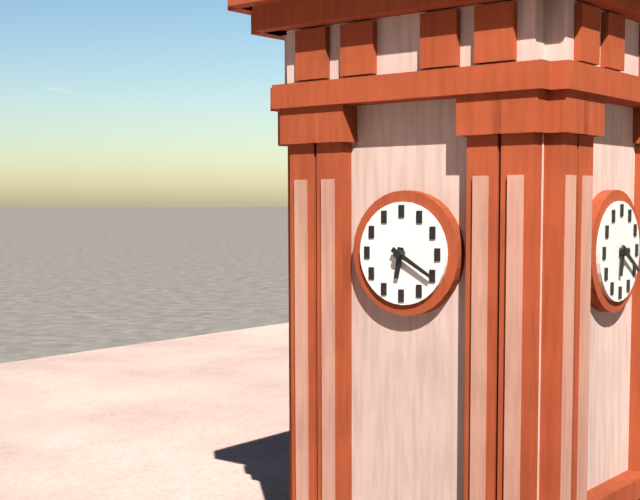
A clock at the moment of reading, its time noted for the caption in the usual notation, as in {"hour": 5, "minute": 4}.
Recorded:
{"hour": 6, "minute": 20}
